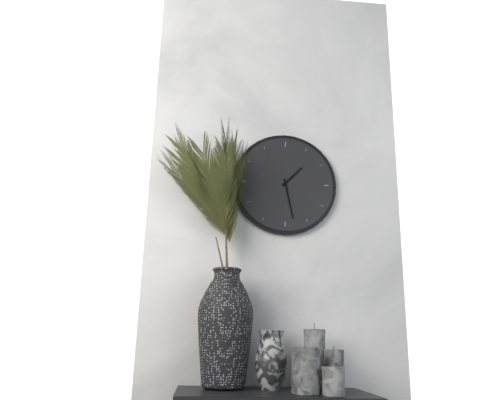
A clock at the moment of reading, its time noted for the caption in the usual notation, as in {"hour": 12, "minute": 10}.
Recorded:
{"hour": 1, "minute": 28}
